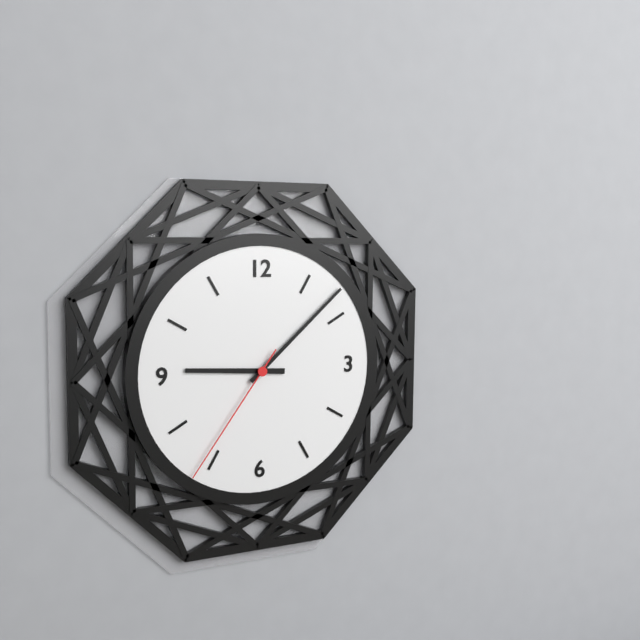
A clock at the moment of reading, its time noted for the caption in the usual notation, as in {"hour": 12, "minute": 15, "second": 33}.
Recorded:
{"hour": 9, "minute": 8, "second": 36}
